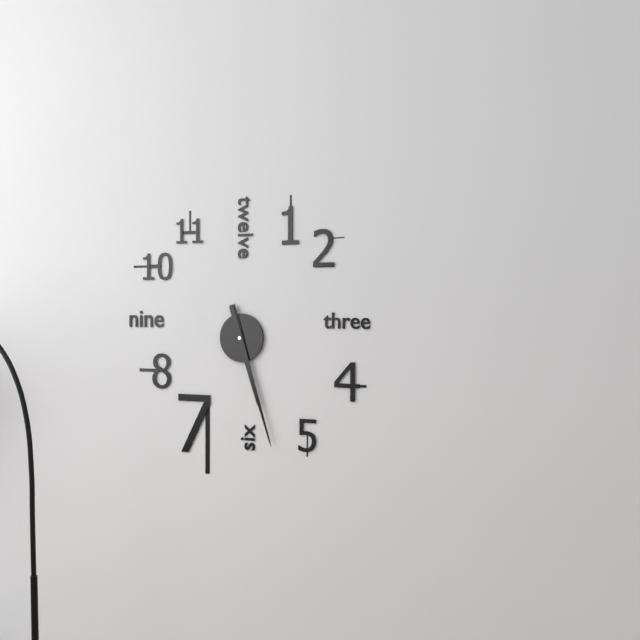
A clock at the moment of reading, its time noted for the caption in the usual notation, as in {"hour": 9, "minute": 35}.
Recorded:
{"hour": 5, "minute": 27}
